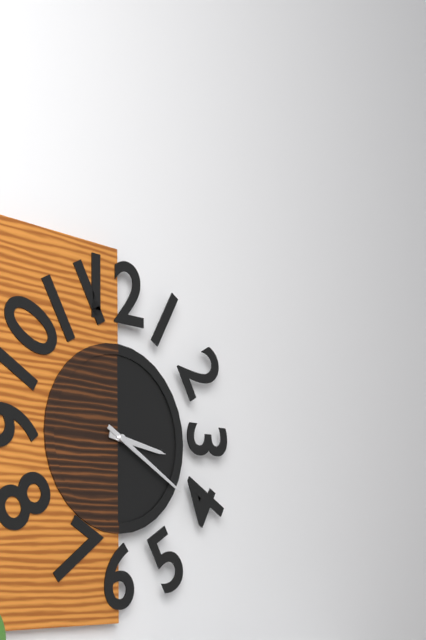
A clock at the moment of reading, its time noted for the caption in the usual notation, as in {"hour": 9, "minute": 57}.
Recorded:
{"hour": 3, "minute": 20}
